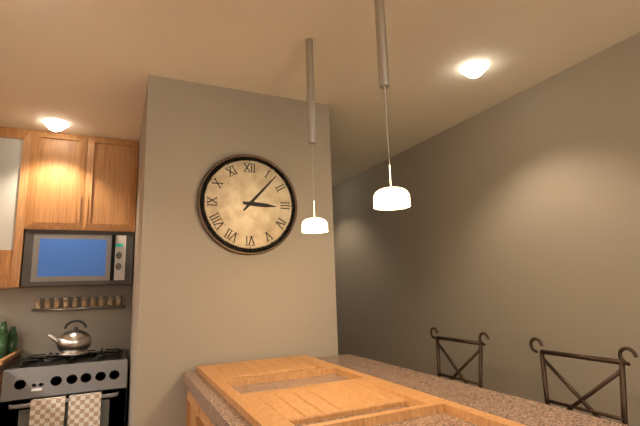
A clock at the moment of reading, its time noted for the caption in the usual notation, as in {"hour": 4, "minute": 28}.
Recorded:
{"hour": 3, "minute": 7}
